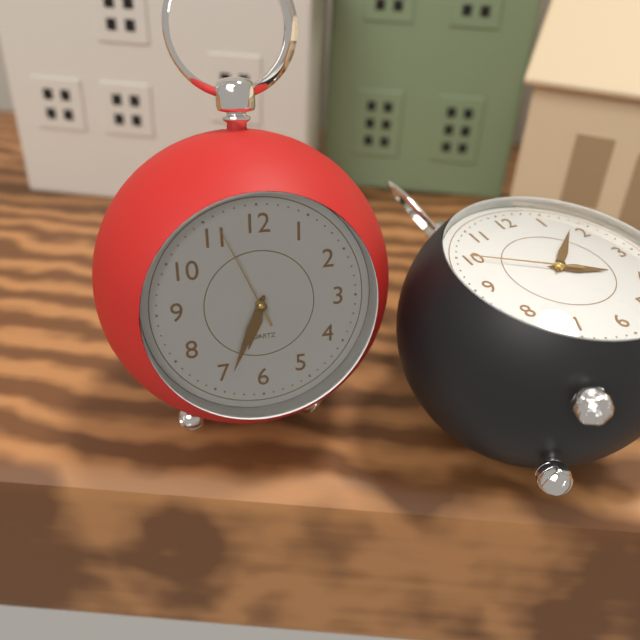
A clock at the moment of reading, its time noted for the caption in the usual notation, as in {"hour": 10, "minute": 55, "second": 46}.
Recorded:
{"hour": 6, "minute": 34, "second": 56}
